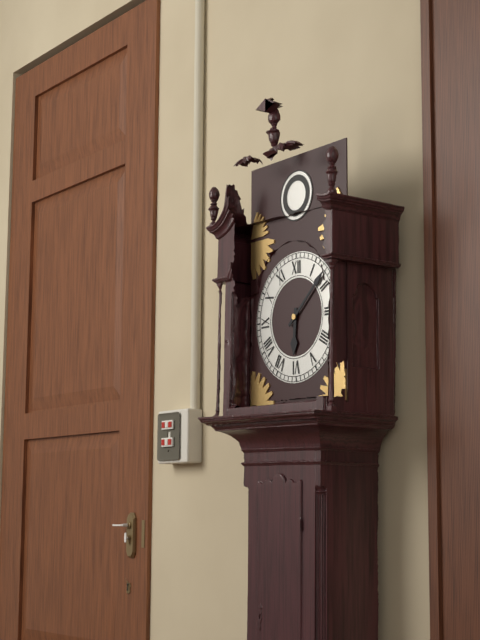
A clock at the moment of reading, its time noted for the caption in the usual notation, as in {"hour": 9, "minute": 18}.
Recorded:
{"hour": 6, "minute": 8}
